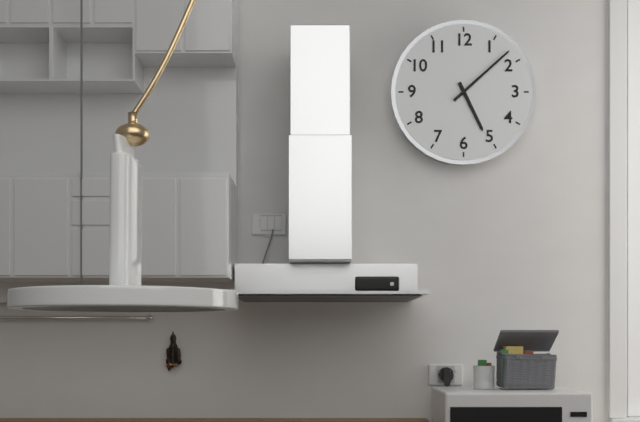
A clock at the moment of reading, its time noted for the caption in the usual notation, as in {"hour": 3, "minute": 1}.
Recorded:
{"hour": 5, "minute": 8}
